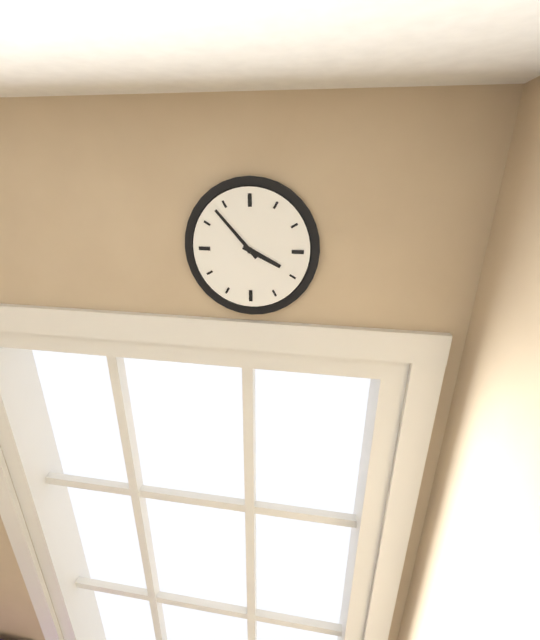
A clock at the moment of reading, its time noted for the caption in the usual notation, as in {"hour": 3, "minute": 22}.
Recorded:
{"hour": 3, "minute": 53}
